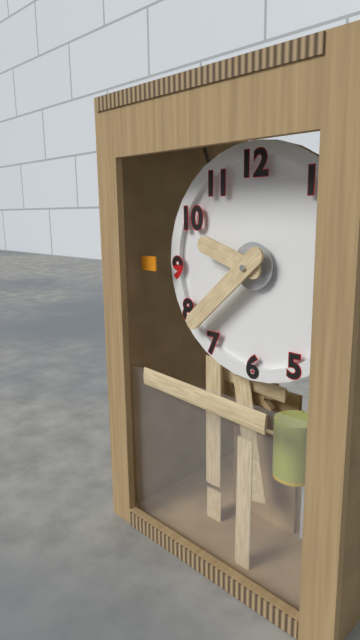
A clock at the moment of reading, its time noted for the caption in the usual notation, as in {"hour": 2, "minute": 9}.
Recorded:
{"hour": 9, "minute": 38}
